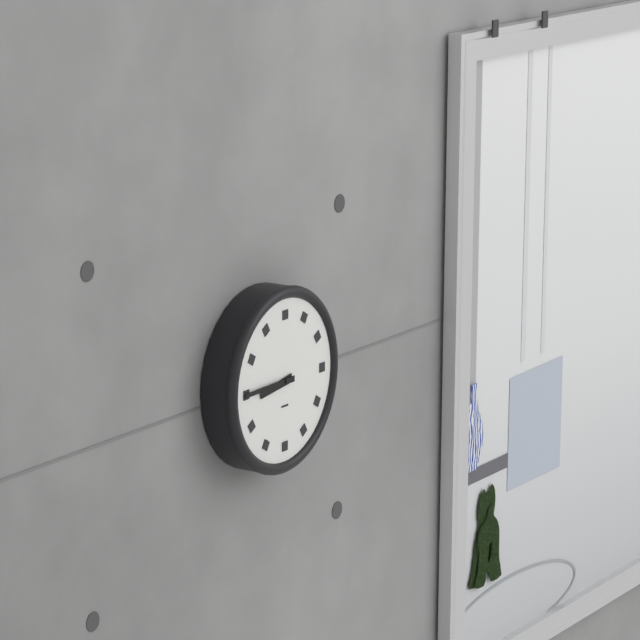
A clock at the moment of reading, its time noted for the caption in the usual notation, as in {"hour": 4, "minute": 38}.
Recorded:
{"hour": 8, "minute": 45}
